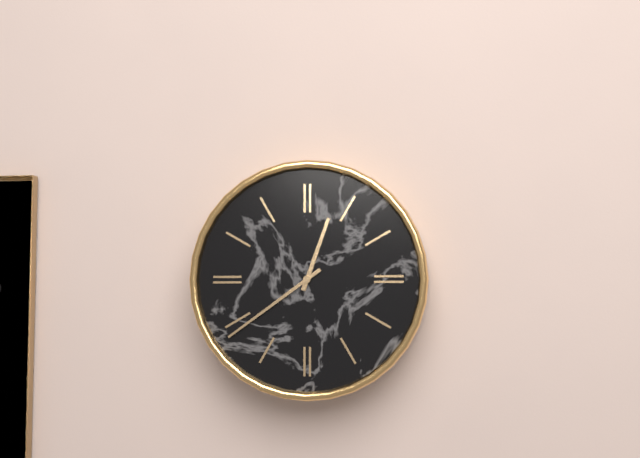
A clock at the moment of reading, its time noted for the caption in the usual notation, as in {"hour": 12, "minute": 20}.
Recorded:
{"hour": 12, "minute": 39}
